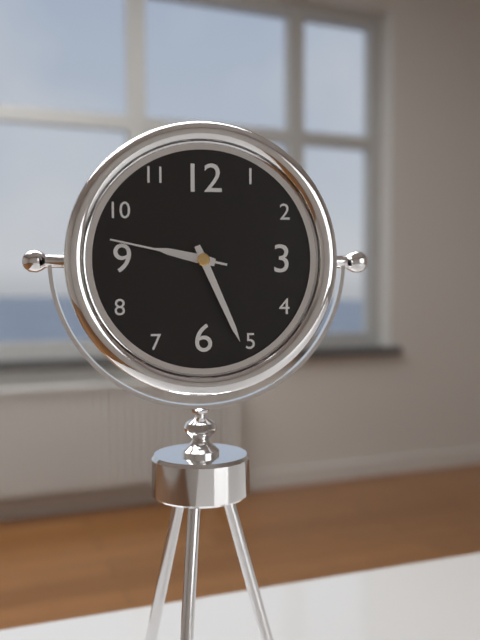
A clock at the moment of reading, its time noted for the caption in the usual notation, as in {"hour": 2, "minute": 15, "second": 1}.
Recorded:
{"hour": 9, "minute": 26, "second": 47}
